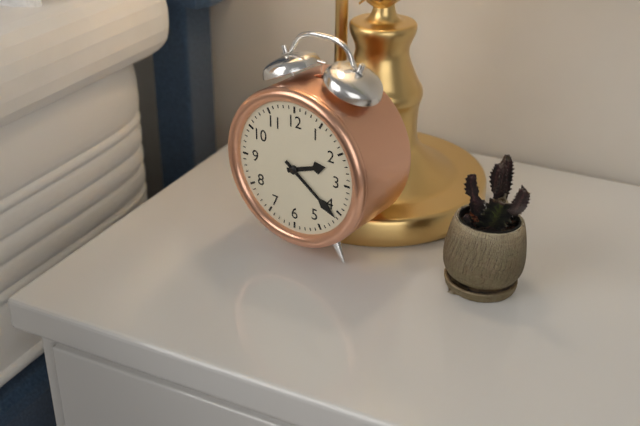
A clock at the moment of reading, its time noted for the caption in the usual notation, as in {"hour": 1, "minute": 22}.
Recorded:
{"hour": 2, "minute": 21}
